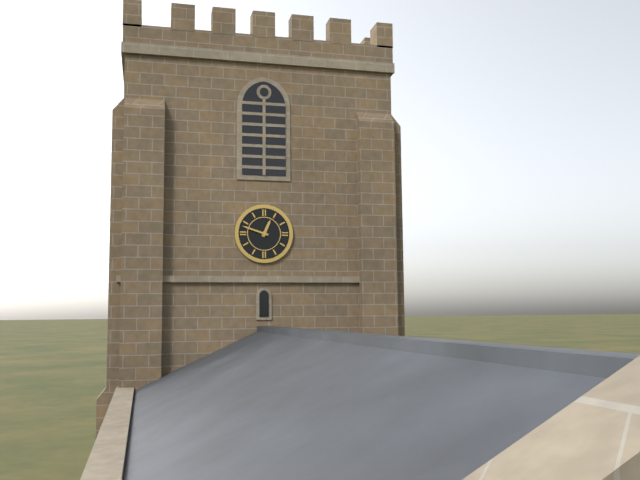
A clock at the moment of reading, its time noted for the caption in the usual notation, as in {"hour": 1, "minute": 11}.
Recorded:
{"hour": 12, "minute": 48}
